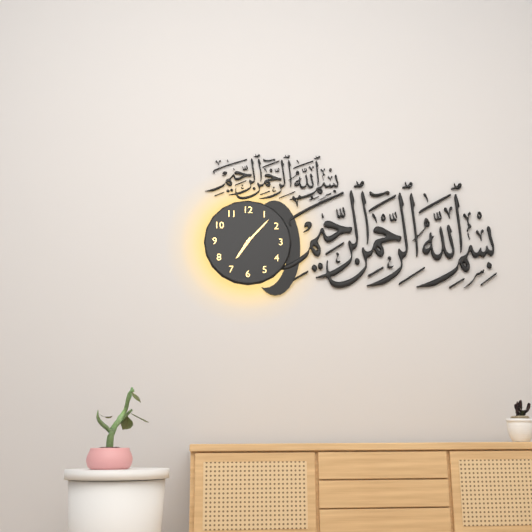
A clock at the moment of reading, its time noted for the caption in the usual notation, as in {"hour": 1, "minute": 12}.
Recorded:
{"hour": 7, "minute": 7}
